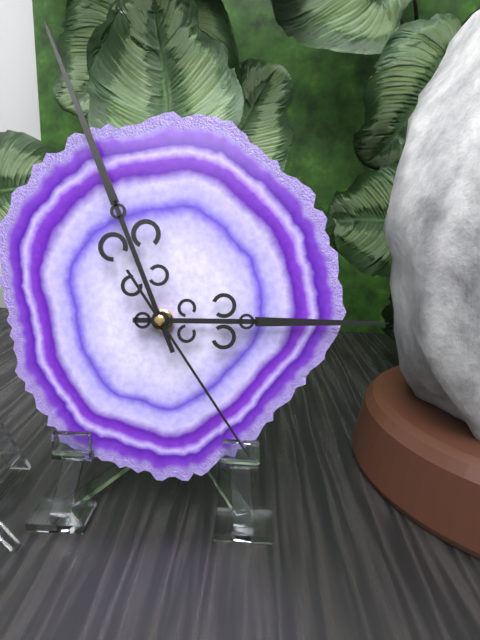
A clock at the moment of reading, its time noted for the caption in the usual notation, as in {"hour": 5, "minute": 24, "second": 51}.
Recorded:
{"hour": 2, "minute": 56, "second": 24}
